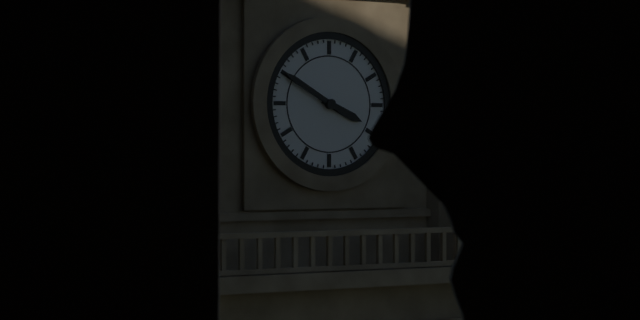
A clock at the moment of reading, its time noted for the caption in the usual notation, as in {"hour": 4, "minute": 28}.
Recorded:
{"hour": 3, "minute": 50}
